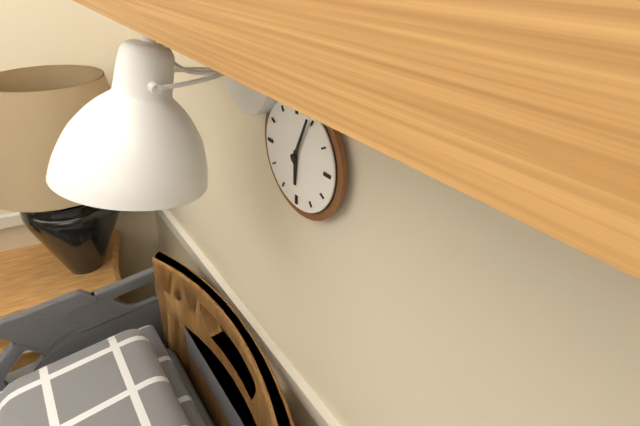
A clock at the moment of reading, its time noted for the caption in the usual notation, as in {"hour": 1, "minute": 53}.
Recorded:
{"hour": 6, "minute": 4}
